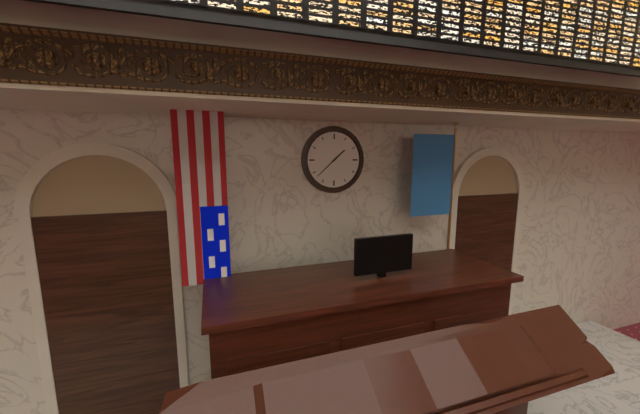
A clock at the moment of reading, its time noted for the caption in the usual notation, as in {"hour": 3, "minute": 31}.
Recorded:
{"hour": 1, "minute": 38}
